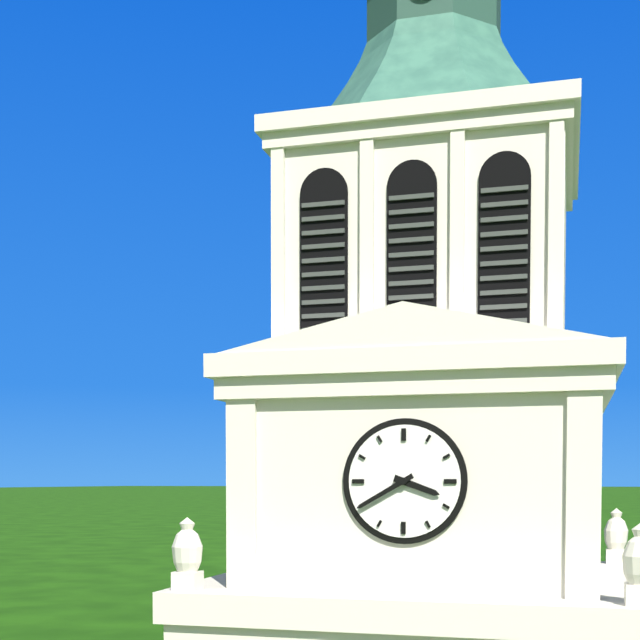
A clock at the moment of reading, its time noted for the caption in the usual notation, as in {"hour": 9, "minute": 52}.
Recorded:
{"hour": 3, "minute": 40}
